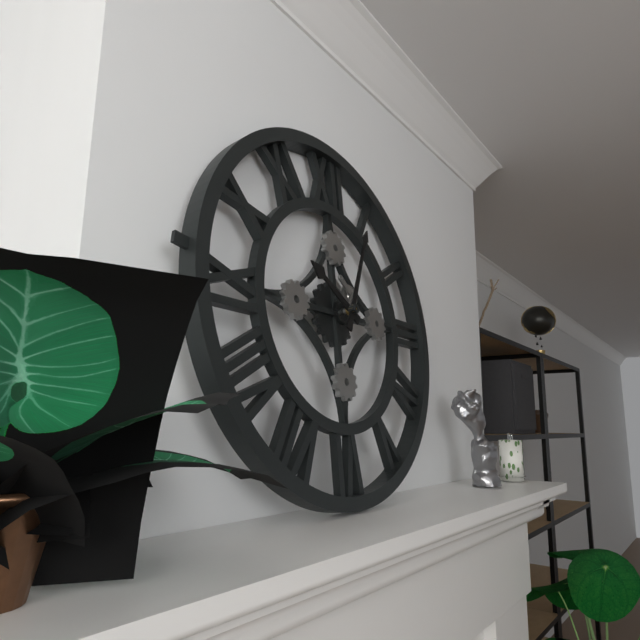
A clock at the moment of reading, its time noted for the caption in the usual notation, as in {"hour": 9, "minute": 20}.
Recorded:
{"hour": 10, "minute": 4}
